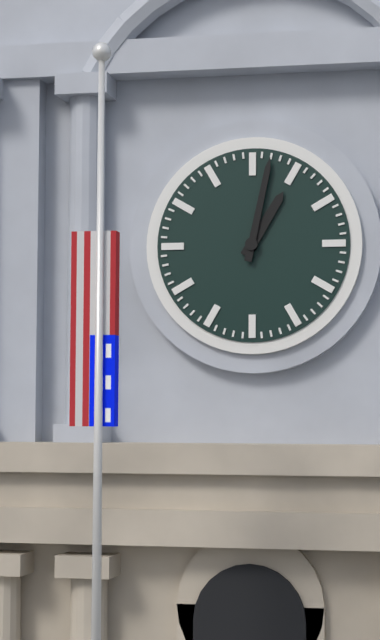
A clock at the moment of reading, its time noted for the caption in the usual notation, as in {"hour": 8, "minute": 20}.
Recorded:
{"hour": 1, "minute": 2}
